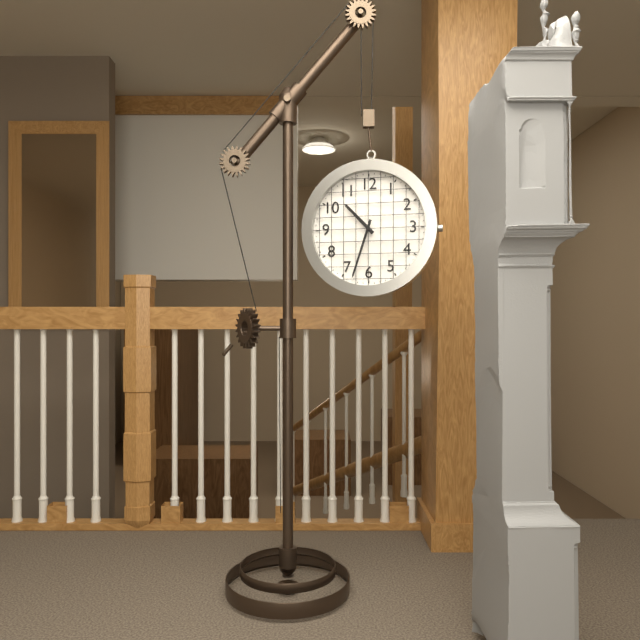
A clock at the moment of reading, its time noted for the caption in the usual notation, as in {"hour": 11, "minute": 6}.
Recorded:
{"hour": 10, "minute": 33}
